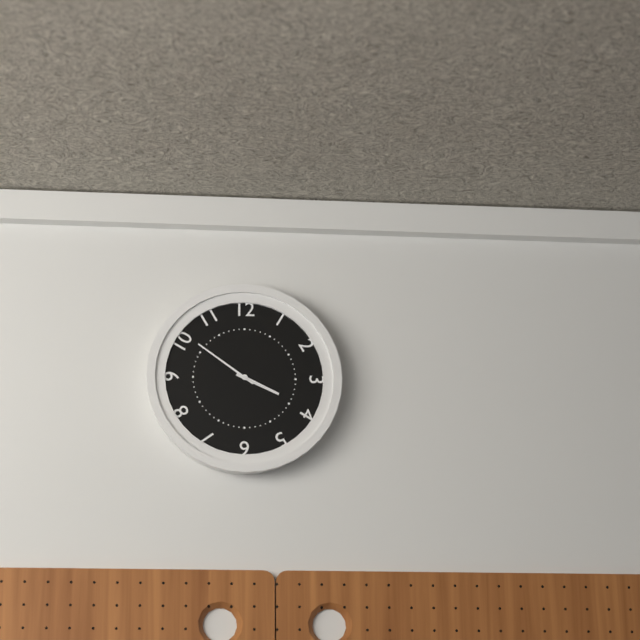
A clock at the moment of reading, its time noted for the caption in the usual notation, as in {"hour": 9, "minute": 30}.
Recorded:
{"hour": 3, "minute": 51}
